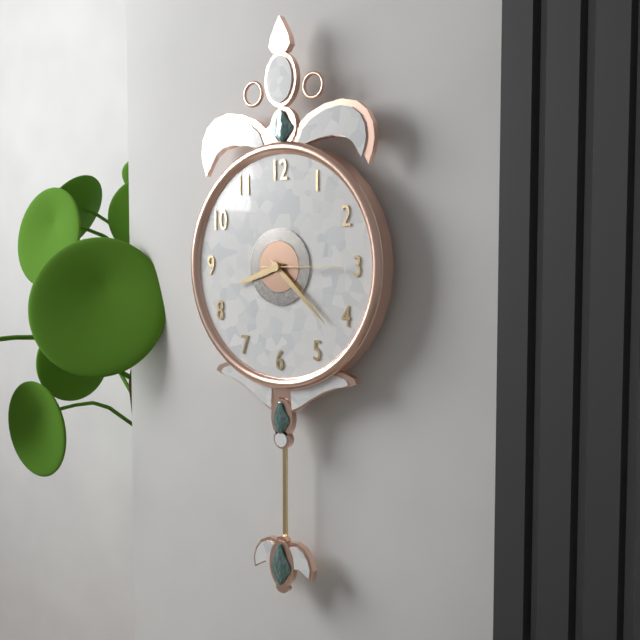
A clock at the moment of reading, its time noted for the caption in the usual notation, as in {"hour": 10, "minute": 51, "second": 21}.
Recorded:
{"hour": 8, "minute": 22, "second": 15}
